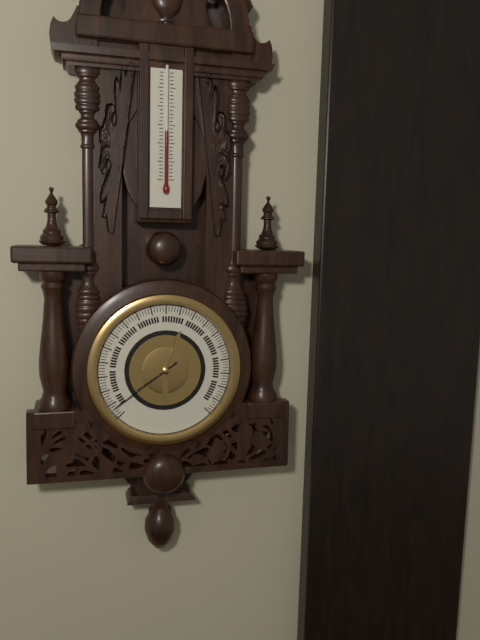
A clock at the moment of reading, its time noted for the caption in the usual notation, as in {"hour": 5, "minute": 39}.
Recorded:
{"hour": 12, "minute": 39}
